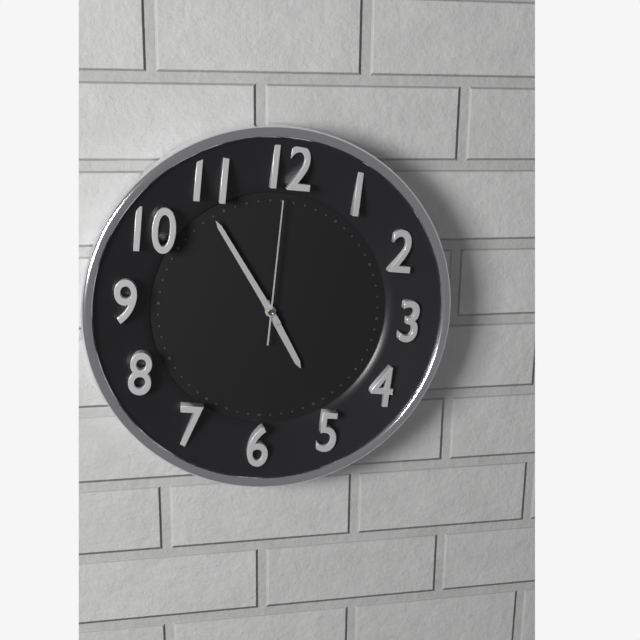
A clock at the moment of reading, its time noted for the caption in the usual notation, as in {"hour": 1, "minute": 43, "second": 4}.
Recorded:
{"hour": 4, "minute": 54, "second": 0}
